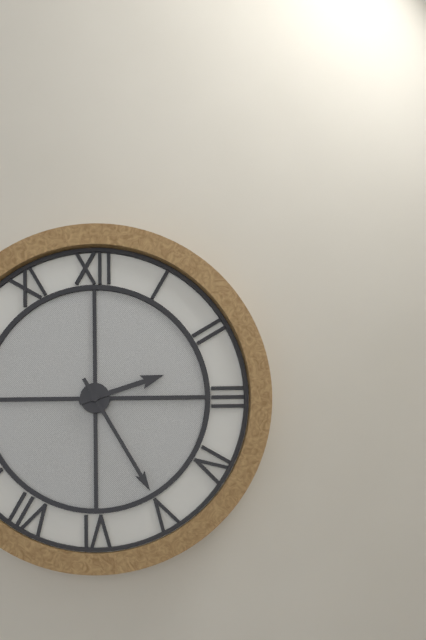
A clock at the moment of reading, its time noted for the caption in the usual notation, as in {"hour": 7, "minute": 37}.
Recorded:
{"hour": 2, "minute": 25}
